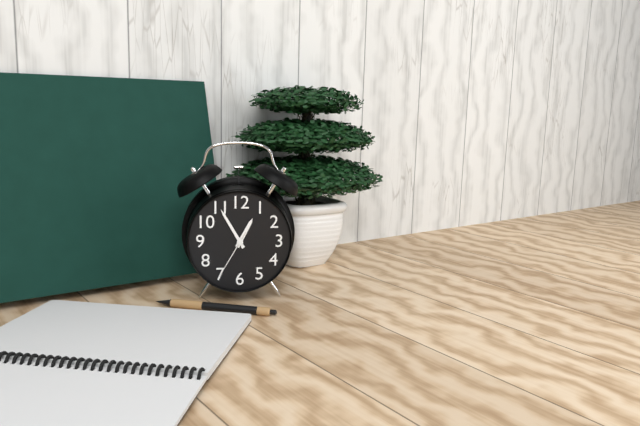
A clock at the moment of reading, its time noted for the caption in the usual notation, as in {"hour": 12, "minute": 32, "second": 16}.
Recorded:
{"hour": 12, "minute": 55, "second": 35}
